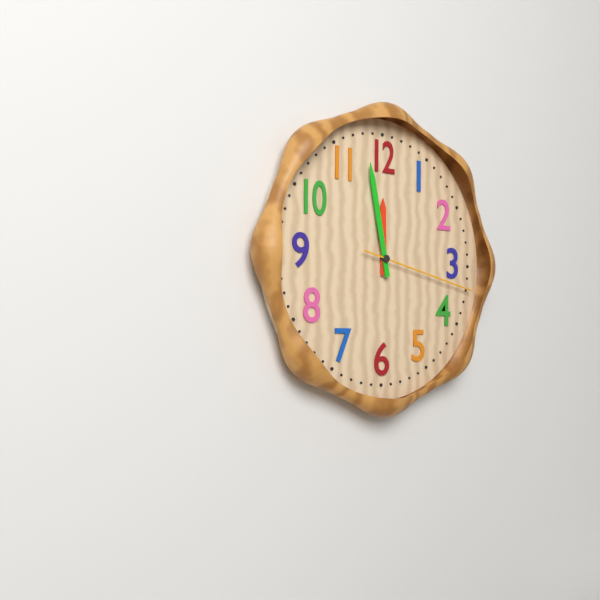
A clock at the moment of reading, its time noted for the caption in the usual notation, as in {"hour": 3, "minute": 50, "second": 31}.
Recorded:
{"hour": 11, "minute": 58, "second": 17}
